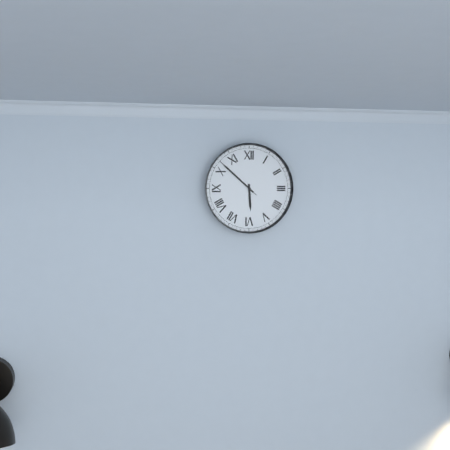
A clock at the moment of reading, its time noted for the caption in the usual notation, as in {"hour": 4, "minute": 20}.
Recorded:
{"hour": 5, "minute": 52}
